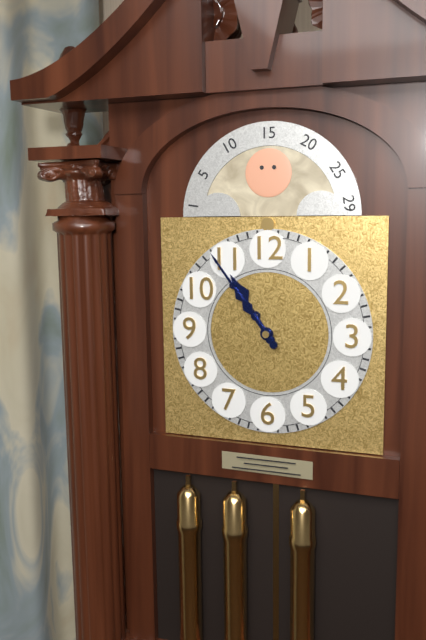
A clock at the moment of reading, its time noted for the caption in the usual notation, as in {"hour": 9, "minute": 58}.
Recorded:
{"hour": 10, "minute": 54}
